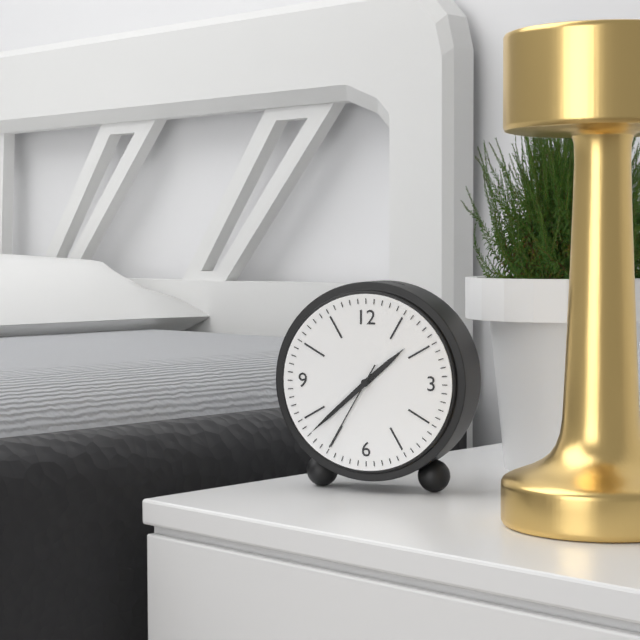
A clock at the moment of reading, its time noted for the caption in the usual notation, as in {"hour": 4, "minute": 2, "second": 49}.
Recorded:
{"hour": 1, "minute": 38, "second": 35}
